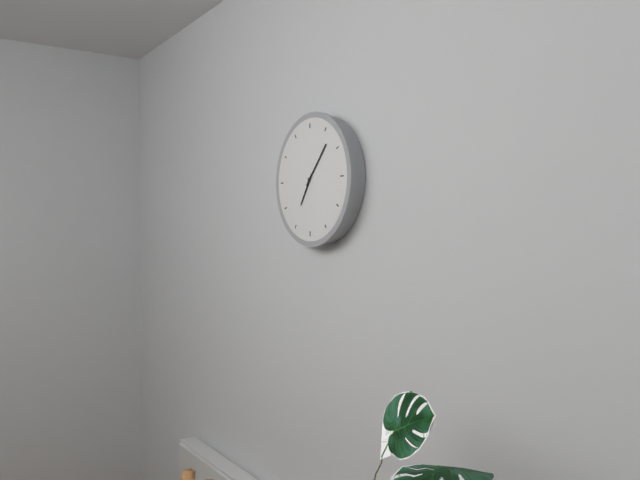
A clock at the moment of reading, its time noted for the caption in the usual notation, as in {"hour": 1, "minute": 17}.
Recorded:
{"hour": 7, "minute": 7}
